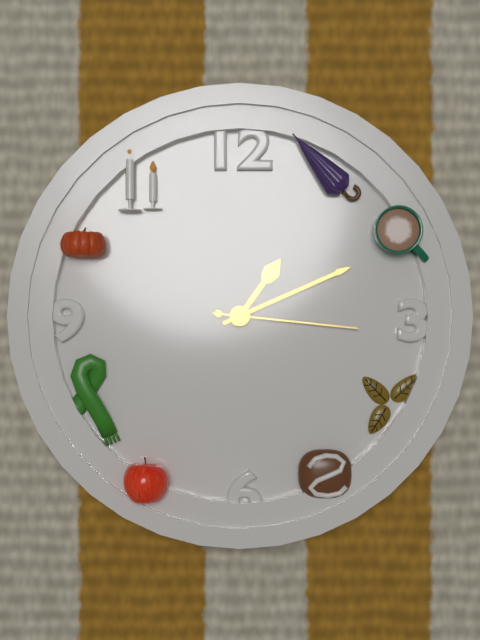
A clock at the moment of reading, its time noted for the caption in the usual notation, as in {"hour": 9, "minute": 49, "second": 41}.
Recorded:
{"hour": 1, "minute": 11, "second": 16}
